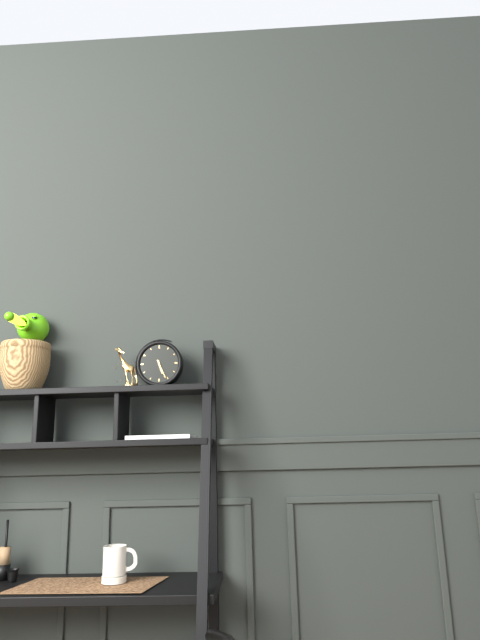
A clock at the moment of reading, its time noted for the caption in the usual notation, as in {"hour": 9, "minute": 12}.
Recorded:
{"hour": 5, "minute": 26}
